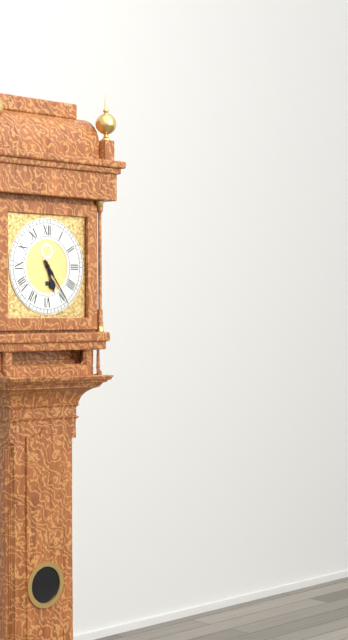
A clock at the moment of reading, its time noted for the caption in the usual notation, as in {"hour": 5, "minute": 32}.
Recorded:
{"hour": 5, "minute": 24}
